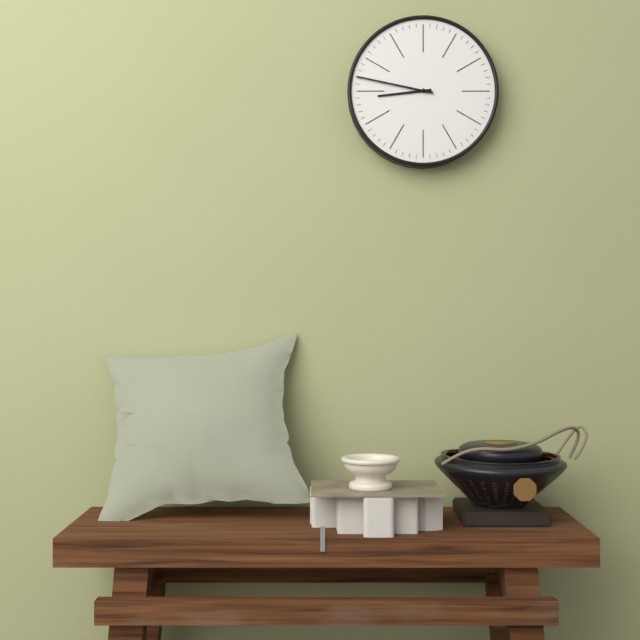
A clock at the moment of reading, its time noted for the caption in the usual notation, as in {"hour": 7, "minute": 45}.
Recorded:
{"hour": 8, "minute": 47}
